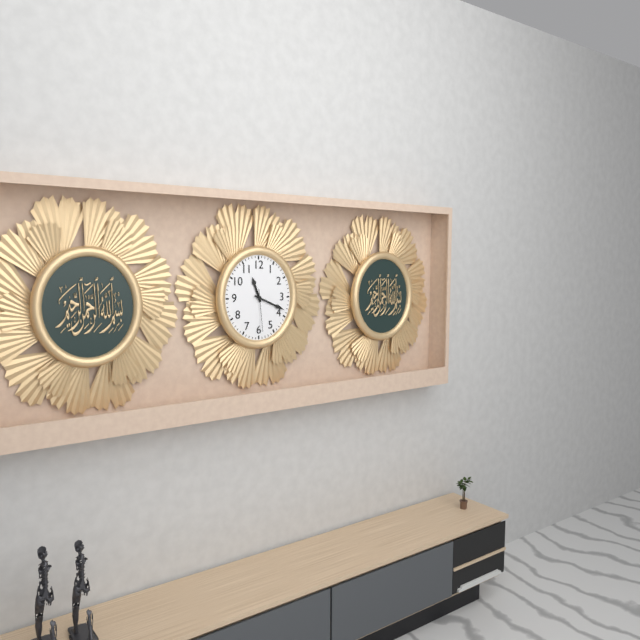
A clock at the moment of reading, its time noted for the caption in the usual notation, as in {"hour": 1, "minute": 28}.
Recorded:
{"hour": 11, "minute": 19}
